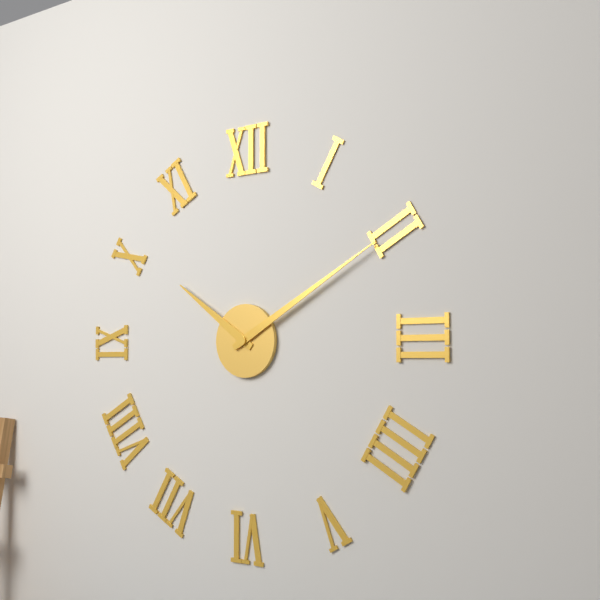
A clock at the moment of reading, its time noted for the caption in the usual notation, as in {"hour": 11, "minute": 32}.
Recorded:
{"hour": 10, "minute": 10}
